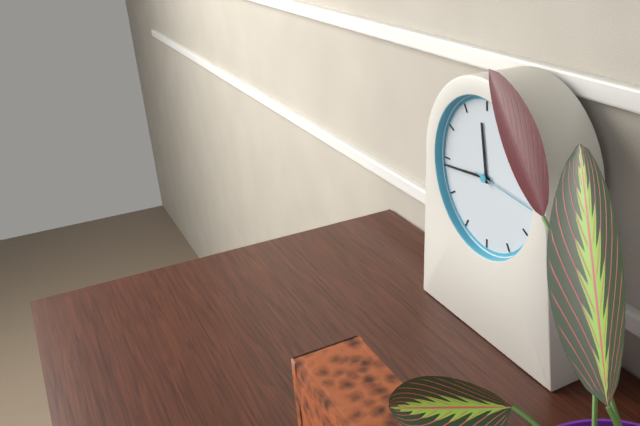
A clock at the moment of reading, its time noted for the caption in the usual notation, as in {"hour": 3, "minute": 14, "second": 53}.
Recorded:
{"hour": 11, "minute": 44, "second": 16}
